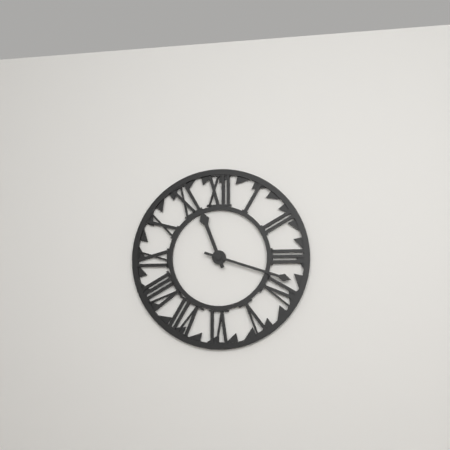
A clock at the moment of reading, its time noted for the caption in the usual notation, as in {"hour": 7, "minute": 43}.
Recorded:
{"hour": 11, "minute": 18}
